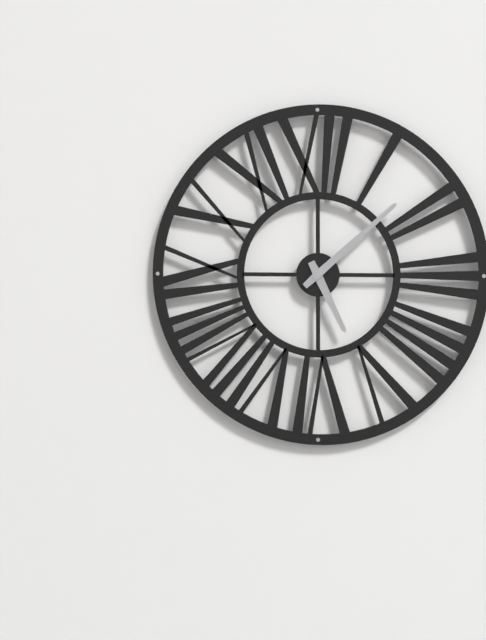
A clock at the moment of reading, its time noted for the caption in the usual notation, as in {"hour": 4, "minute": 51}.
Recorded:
{"hour": 5, "minute": 8}
